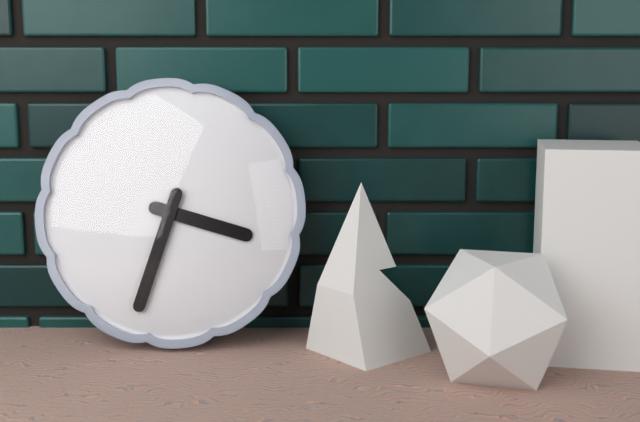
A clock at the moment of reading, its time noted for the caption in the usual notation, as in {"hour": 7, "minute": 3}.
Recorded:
{"hour": 3, "minute": 33}
